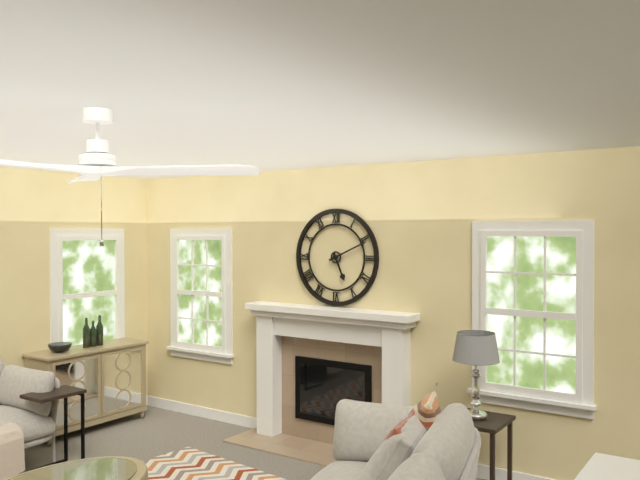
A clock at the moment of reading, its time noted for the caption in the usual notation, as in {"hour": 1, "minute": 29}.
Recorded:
{"hour": 5, "minute": 11}
